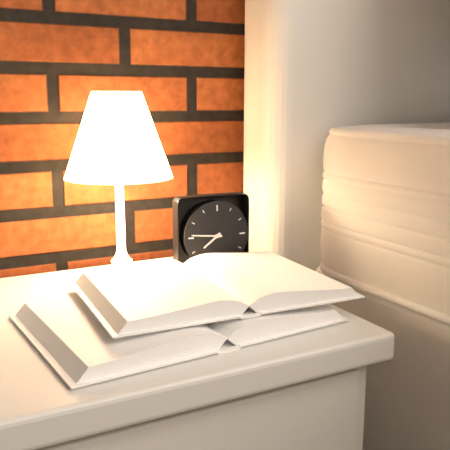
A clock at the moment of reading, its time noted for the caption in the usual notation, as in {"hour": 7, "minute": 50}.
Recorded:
{"hour": 7, "minute": 46}
